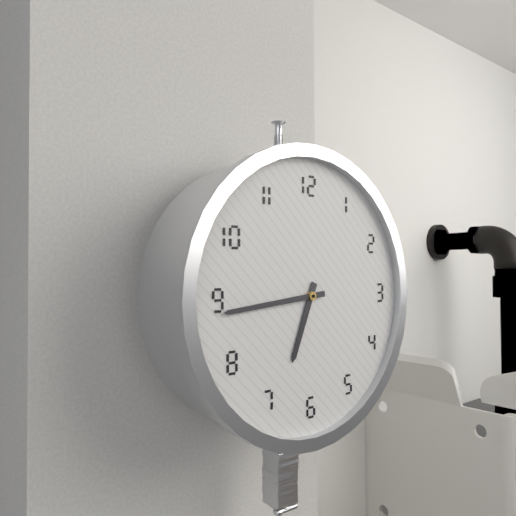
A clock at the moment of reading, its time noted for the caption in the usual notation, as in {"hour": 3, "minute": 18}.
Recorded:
{"hour": 6, "minute": 44}
